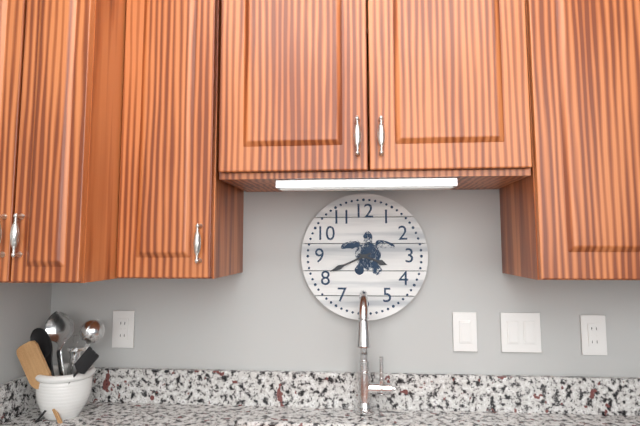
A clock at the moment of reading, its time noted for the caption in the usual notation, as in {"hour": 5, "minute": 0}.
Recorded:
{"hour": 3, "minute": 41}
